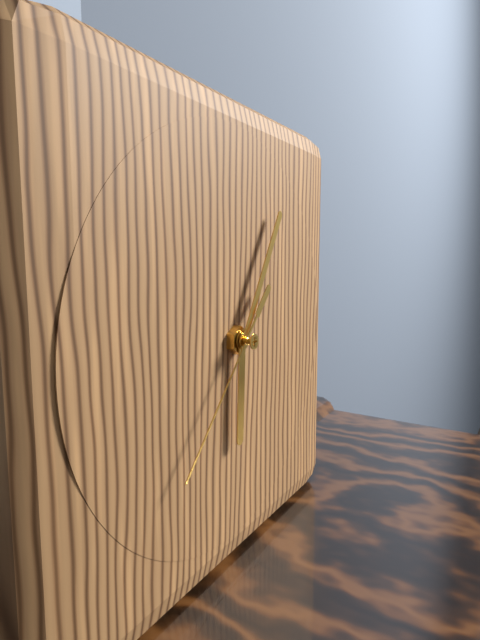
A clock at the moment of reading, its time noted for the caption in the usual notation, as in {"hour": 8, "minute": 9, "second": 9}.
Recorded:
{"hour": 6, "minute": 5, "second": 37}
